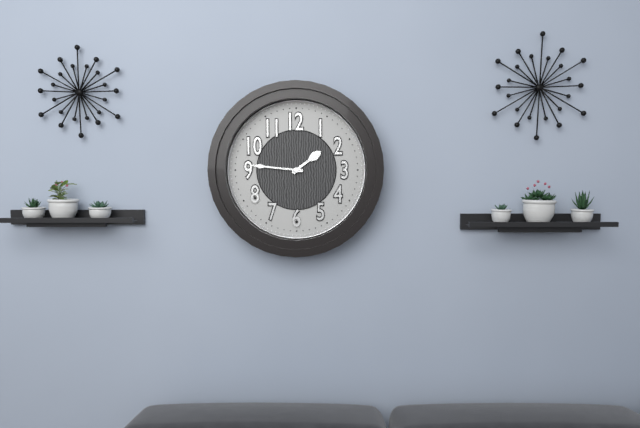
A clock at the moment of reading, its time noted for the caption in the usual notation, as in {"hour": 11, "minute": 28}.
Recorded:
{"hour": 1, "minute": 46}
